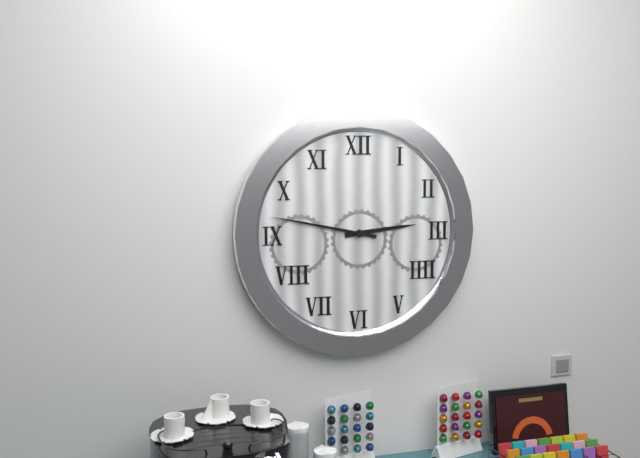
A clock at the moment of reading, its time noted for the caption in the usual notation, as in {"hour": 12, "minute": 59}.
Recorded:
{"hour": 2, "minute": 47}
